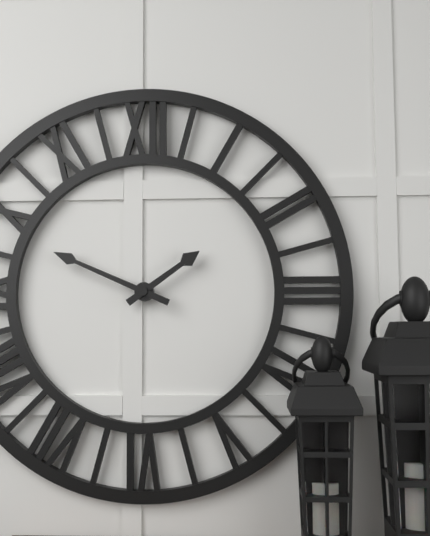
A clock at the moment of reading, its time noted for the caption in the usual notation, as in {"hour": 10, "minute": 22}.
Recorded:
{"hour": 1, "minute": 49}
